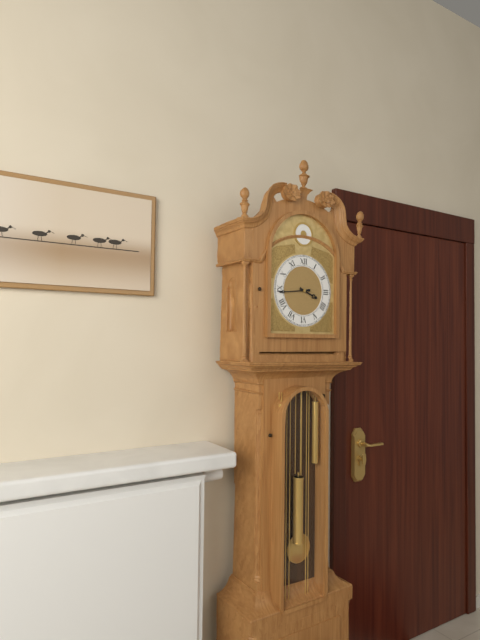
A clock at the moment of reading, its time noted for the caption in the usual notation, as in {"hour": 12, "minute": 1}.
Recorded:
{"hour": 3, "minute": 44}
